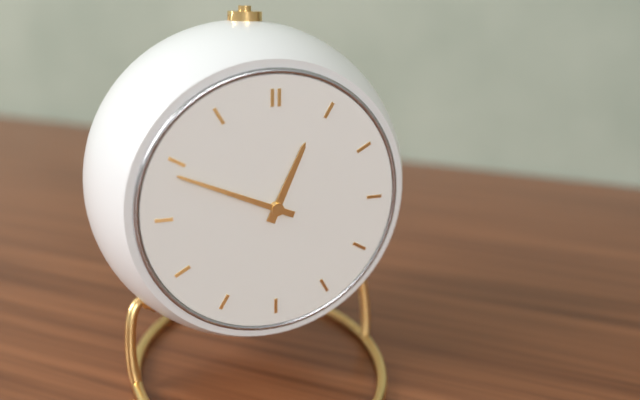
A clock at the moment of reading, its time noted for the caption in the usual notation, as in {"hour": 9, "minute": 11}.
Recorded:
{"hour": 12, "minute": 49}
